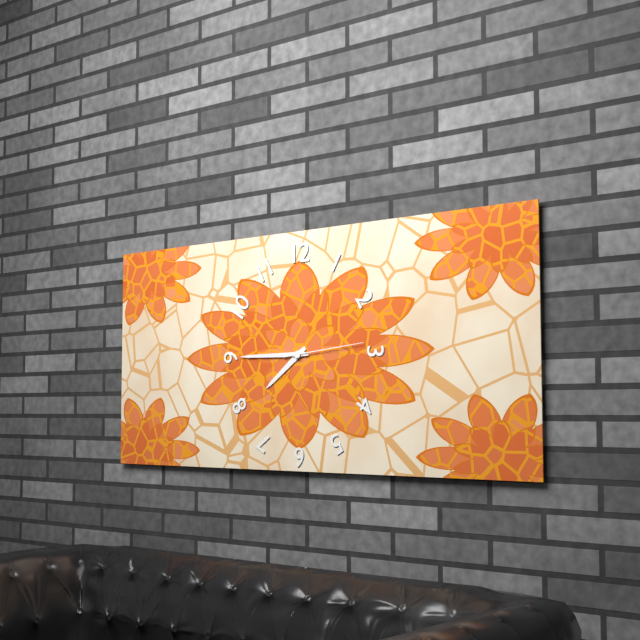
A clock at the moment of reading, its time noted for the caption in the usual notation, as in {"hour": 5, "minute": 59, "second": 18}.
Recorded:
{"hour": 7, "minute": 45, "second": 14}
